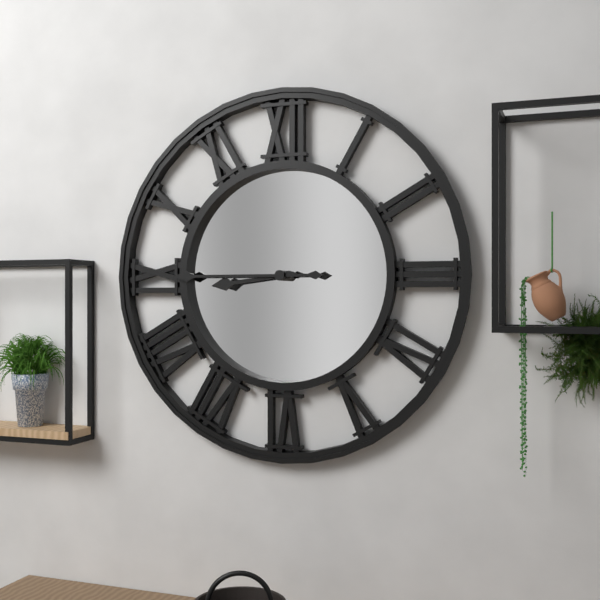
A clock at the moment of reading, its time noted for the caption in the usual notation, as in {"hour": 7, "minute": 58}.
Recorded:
{"hour": 8, "minute": 45}
